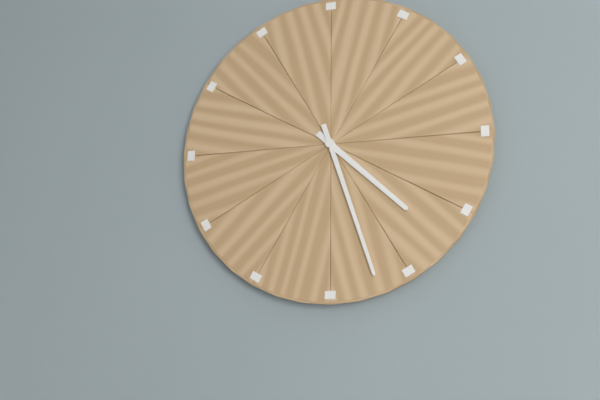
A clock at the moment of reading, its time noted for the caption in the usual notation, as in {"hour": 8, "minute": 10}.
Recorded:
{"hour": 4, "minute": 27}
